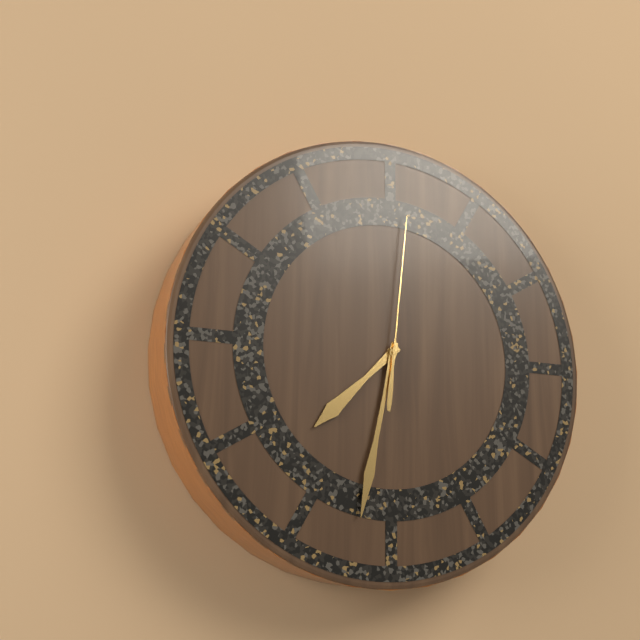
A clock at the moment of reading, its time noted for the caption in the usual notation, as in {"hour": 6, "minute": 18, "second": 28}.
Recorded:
{"hour": 7, "minute": 32, "second": 1}
